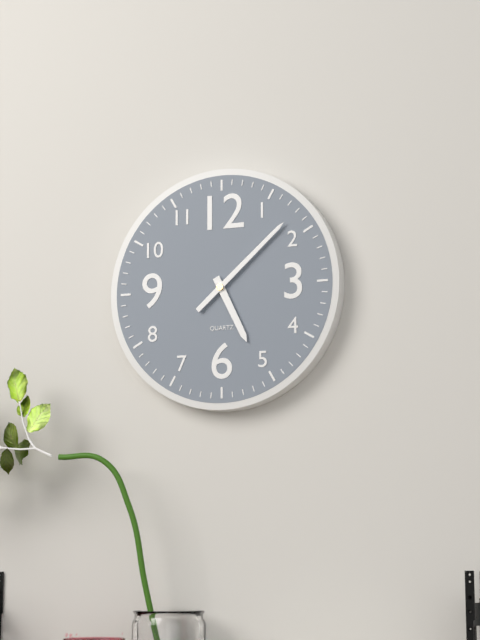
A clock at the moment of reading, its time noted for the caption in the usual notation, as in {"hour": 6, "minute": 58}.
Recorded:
{"hour": 5, "minute": 8}
